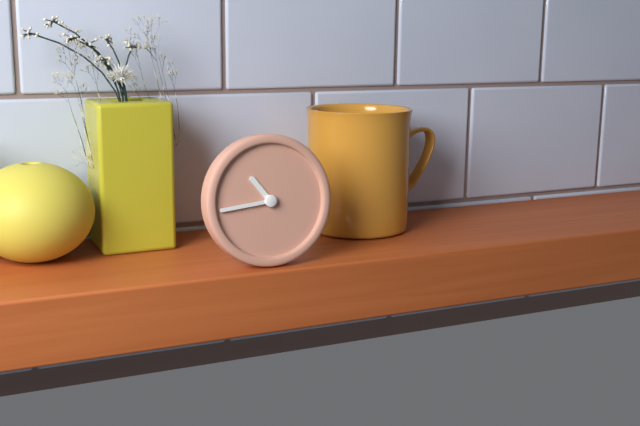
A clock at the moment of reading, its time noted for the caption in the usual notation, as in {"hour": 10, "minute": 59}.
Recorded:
{"hour": 10, "minute": 44}
